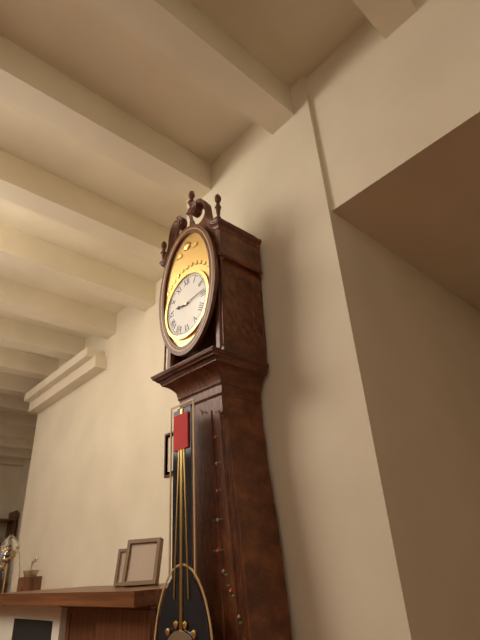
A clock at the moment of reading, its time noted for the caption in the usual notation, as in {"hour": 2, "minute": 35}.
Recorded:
{"hour": 9, "minute": 14}
